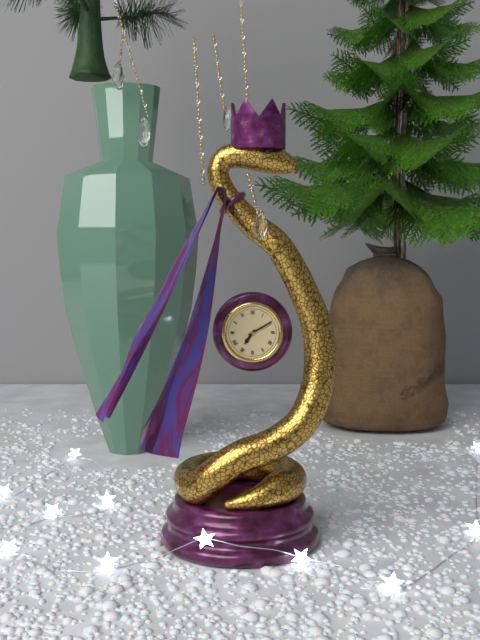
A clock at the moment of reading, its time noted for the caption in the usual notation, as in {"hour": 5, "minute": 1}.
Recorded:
{"hour": 7, "minute": 10}
